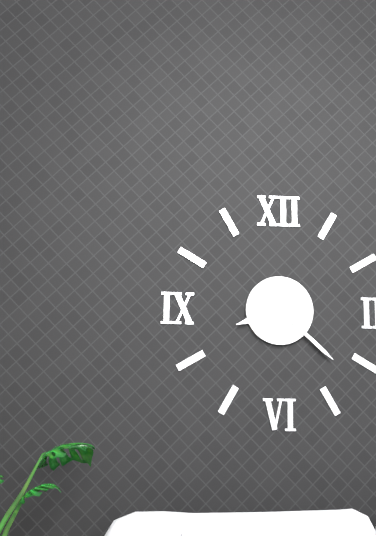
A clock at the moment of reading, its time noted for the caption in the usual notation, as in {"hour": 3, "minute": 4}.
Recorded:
{"hour": 8, "minute": 22}
